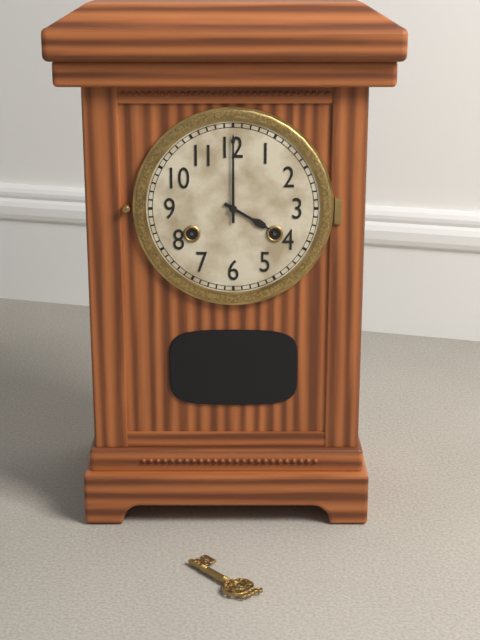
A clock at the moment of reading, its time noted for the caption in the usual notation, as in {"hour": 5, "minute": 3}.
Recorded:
{"hour": 4, "minute": 0}
